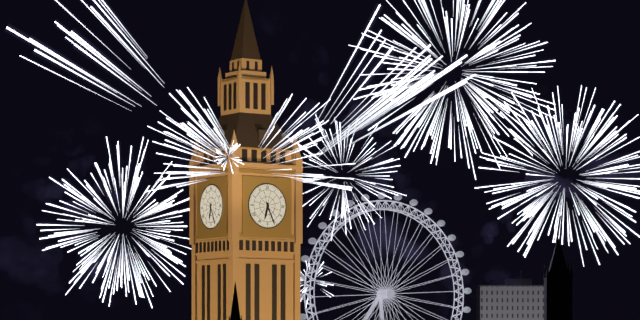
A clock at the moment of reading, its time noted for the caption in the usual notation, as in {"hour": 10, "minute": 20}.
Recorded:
{"hour": 6, "minute": 26}
